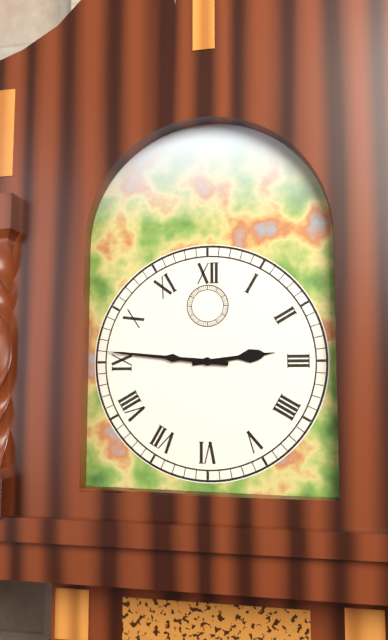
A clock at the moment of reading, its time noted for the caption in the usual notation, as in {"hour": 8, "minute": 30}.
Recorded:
{"hour": 2, "minute": 46}
